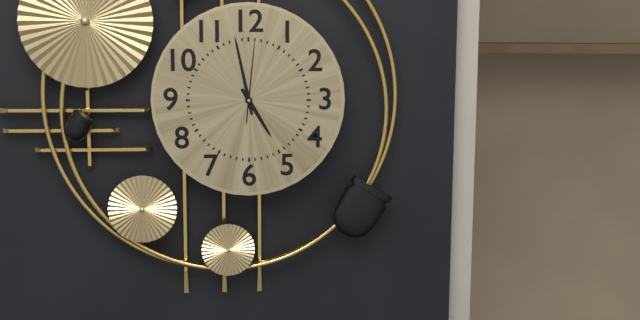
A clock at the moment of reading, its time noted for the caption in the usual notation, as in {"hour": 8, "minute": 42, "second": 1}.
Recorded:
{"hour": 4, "minute": 58, "second": 1}
